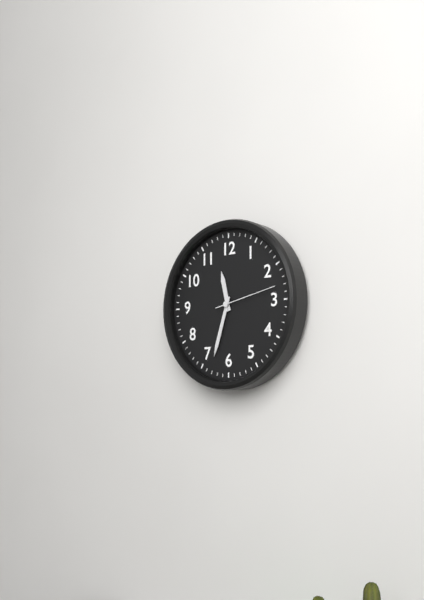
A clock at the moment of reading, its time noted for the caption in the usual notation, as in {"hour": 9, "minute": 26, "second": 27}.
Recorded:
{"hour": 11, "minute": 33, "second": 13}
